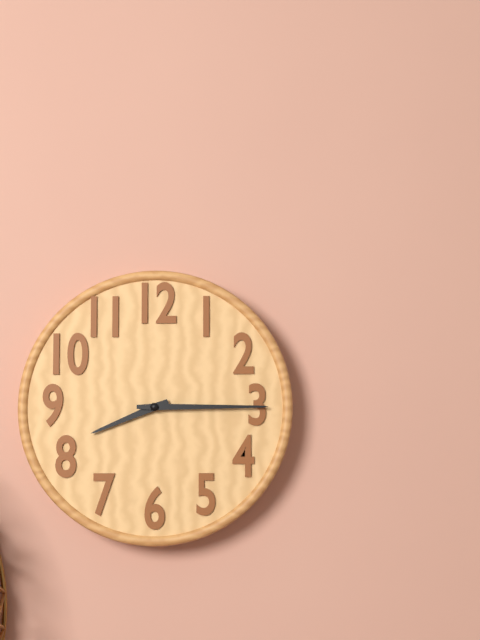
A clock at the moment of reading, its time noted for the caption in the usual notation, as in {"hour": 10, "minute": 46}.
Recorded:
{"hour": 8, "minute": 15}
